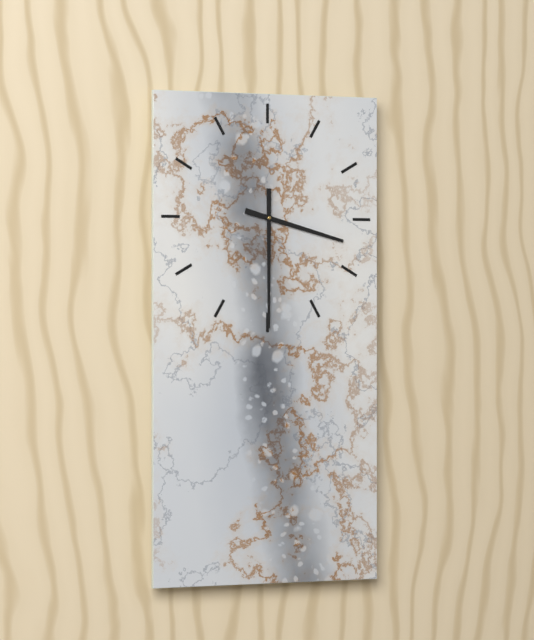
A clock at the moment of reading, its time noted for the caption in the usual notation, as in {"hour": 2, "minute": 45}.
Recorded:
{"hour": 3, "minute": 30}
